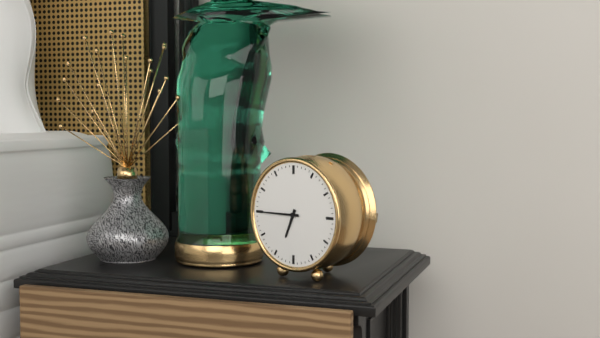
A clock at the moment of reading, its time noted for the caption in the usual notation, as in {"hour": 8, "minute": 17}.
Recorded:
{"hour": 6, "minute": 45}
